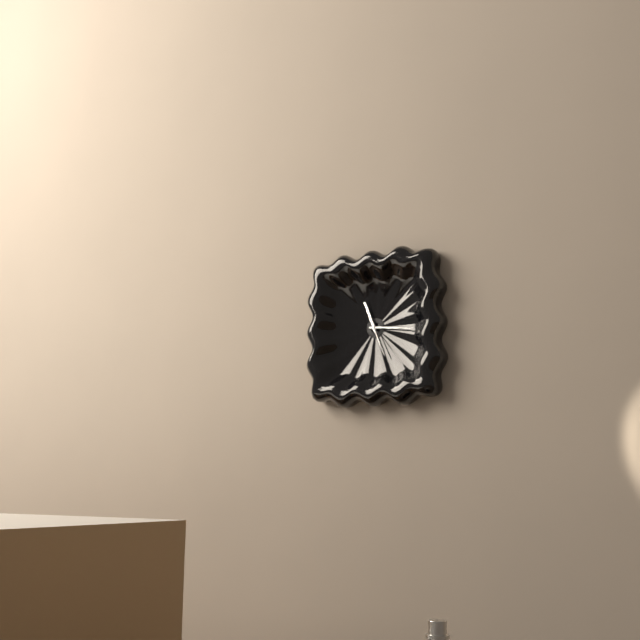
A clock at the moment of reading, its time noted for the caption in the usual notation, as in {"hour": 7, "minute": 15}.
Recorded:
{"hour": 11, "minute": 16}
